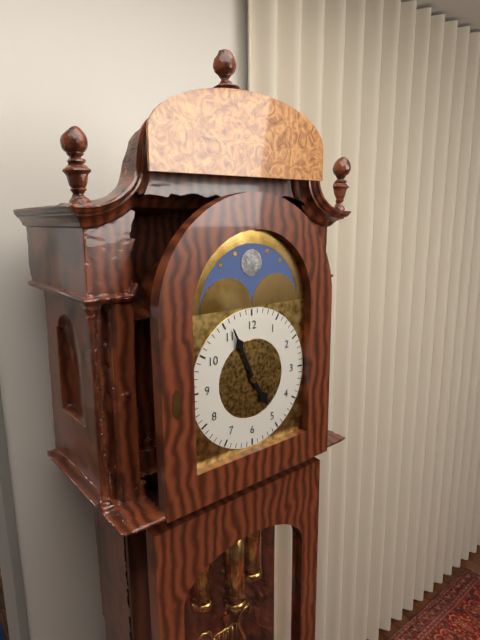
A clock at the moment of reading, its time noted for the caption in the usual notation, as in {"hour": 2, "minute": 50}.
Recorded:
{"hour": 4, "minute": 56}
